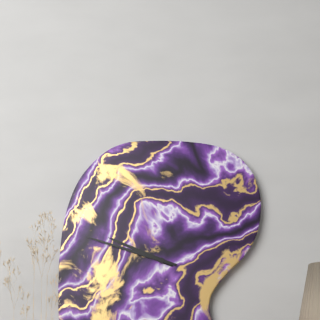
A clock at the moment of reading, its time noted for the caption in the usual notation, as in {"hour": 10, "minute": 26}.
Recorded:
{"hour": 9, "minute": 48}
